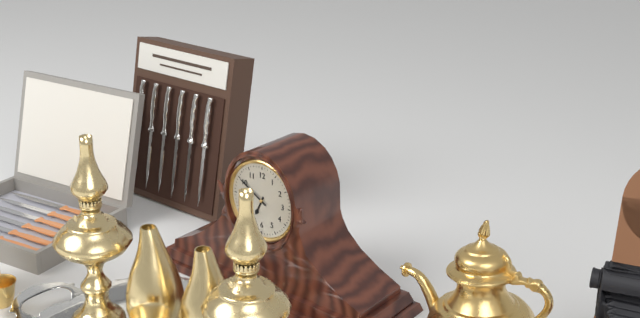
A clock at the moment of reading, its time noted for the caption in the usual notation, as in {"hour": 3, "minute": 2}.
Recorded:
{"hour": 6, "minute": 50}
